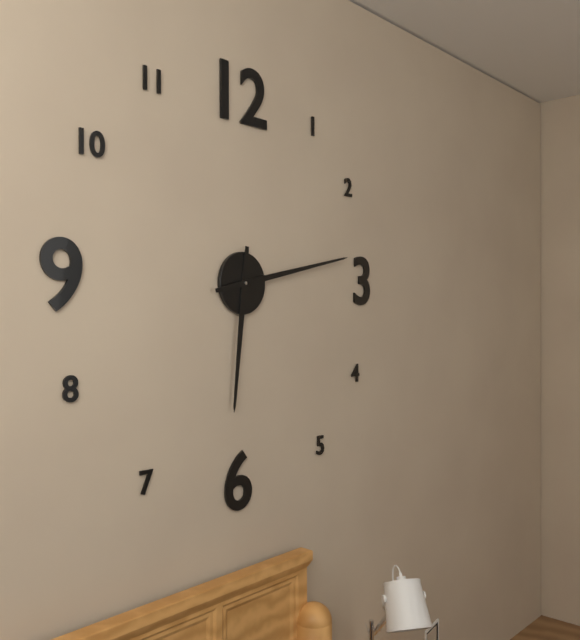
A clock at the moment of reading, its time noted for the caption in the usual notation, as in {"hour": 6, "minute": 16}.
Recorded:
{"hour": 6, "minute": 13}
